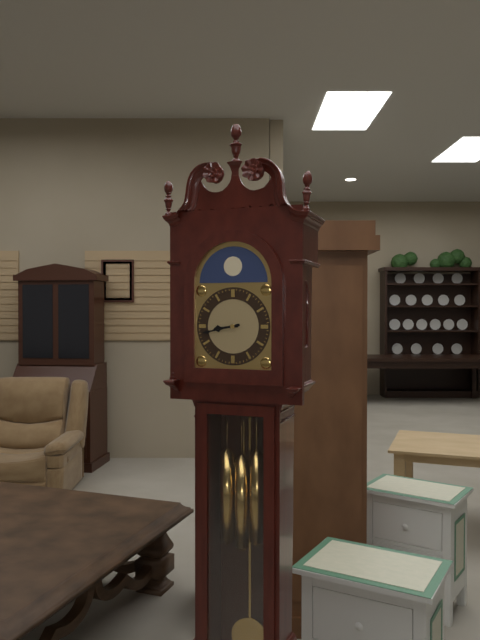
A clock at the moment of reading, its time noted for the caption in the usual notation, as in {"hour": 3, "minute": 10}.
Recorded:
{"hour": 8, "minute": 43}
